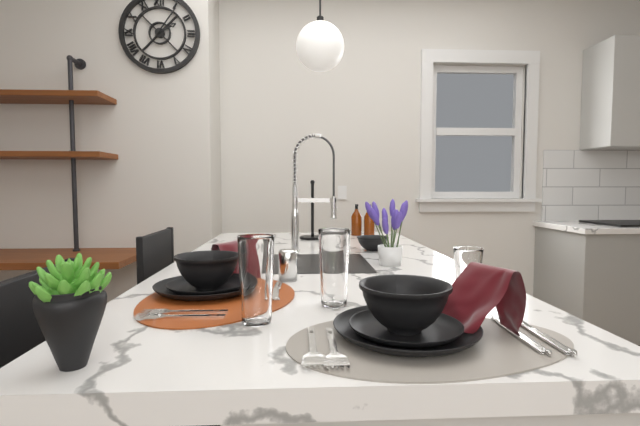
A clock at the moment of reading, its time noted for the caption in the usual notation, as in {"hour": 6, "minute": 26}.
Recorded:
{"hour": 2, "minute": 6}
